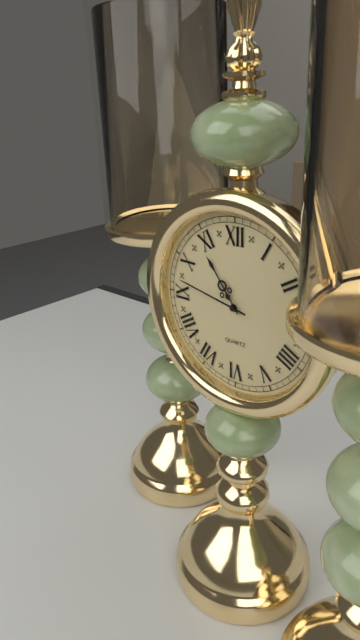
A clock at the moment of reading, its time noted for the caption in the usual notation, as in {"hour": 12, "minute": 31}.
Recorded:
{"hour": 10, "minute": 47}
